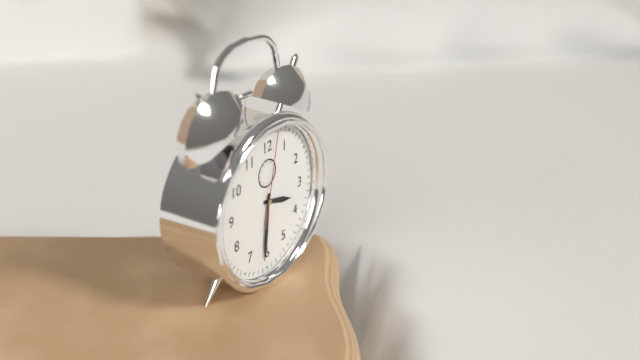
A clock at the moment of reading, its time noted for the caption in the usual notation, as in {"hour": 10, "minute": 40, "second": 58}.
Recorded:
{"hour": 3, "minute": 31, "second": 2}
